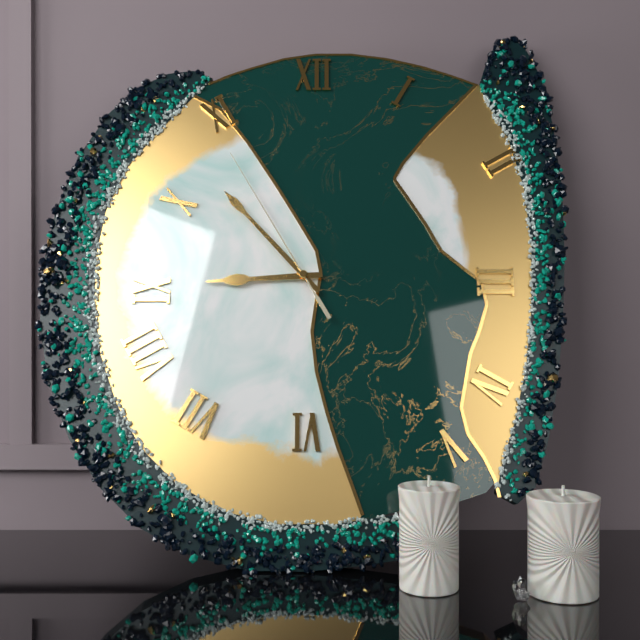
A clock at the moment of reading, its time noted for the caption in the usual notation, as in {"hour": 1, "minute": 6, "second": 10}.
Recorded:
{"hour": 8, "minute": 53, "second": 55}
